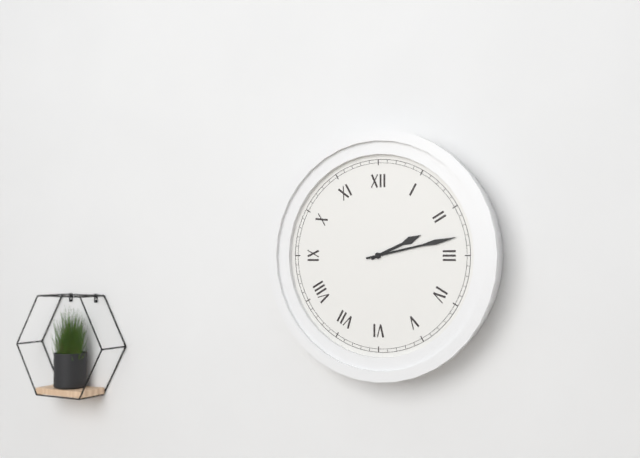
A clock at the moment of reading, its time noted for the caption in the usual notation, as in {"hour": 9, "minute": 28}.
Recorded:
{"hour": 2, "minute": 13}
